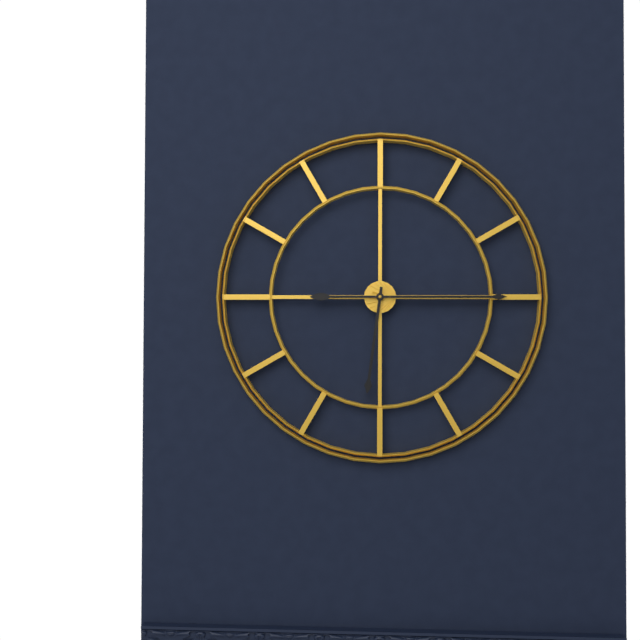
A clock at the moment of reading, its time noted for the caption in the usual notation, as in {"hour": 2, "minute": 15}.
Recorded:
{"hour": 6, "minute": 15}
